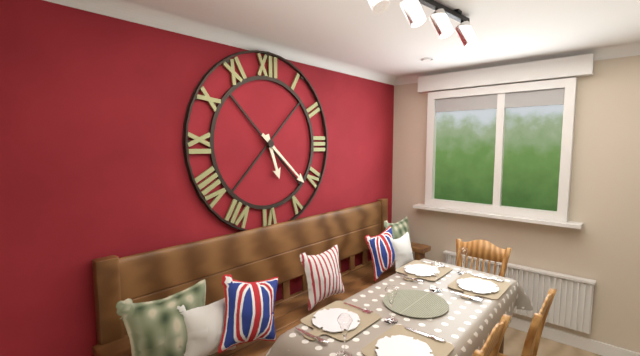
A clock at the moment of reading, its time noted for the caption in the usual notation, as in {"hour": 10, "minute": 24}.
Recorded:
{"hour": 5, "minute": 22}
